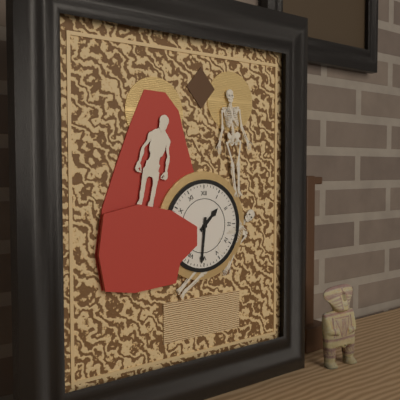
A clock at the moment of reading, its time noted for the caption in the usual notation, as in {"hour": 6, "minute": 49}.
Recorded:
{"hour": 1, "minute": 31}
